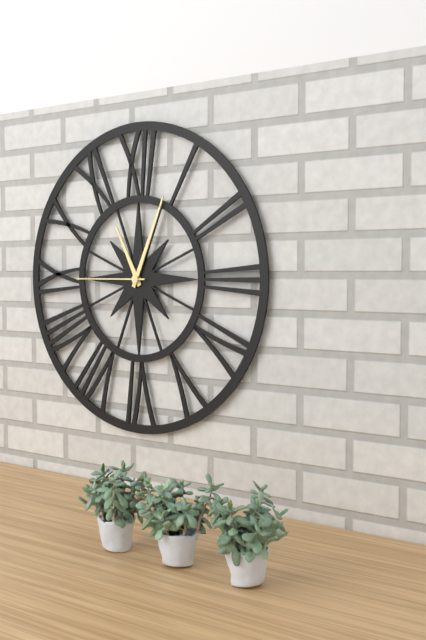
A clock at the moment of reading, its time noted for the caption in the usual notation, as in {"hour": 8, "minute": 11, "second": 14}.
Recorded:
{"hour": 11, "minute": 4, "second": 45}
